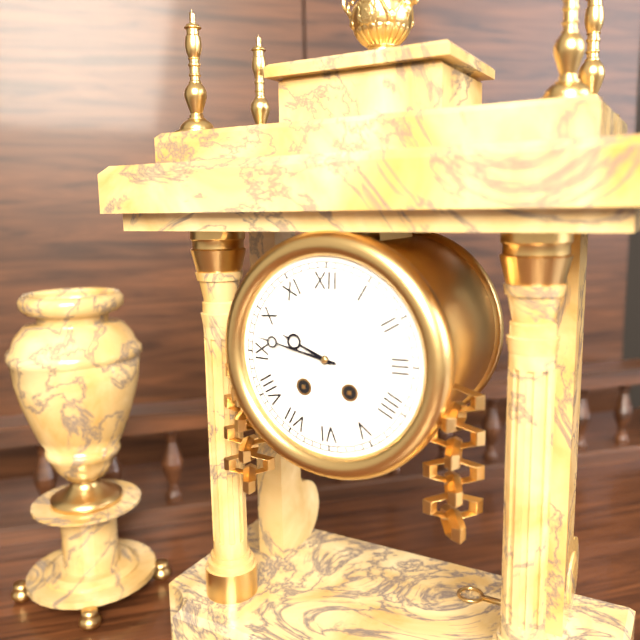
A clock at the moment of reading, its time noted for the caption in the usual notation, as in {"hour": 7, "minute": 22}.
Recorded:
{"hour": 9, "minute": 47}
